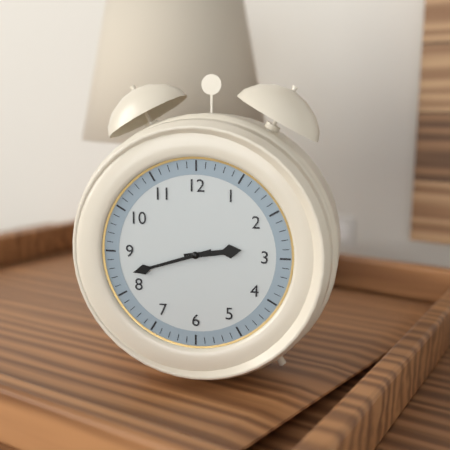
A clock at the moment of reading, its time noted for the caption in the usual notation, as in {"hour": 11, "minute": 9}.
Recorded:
{"hour": 2, "minute": 42}
